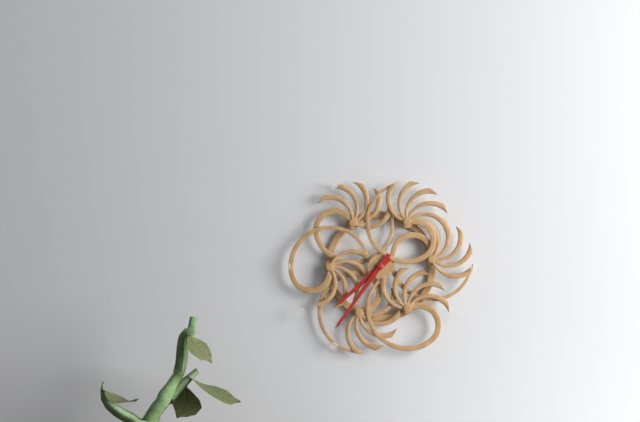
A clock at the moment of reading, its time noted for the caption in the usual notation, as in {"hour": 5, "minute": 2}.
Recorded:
{"hour": 7, "minute": 36}
